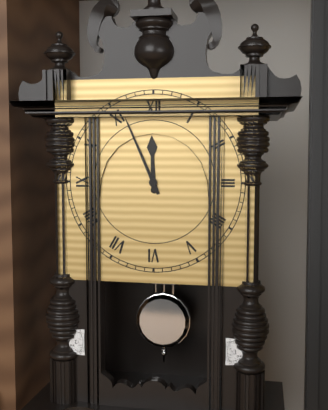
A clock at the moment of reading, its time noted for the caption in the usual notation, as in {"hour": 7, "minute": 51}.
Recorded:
{"hour": 11, "minute": 56}
